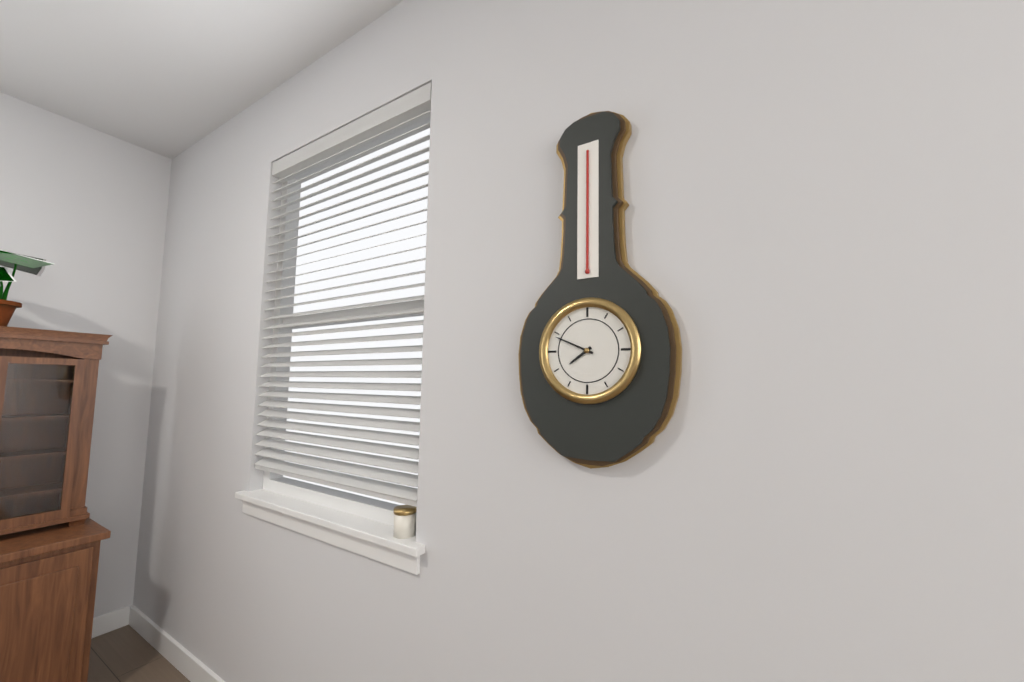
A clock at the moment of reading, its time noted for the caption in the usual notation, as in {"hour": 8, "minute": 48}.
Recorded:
{"hour": 7, "minute": 49}
